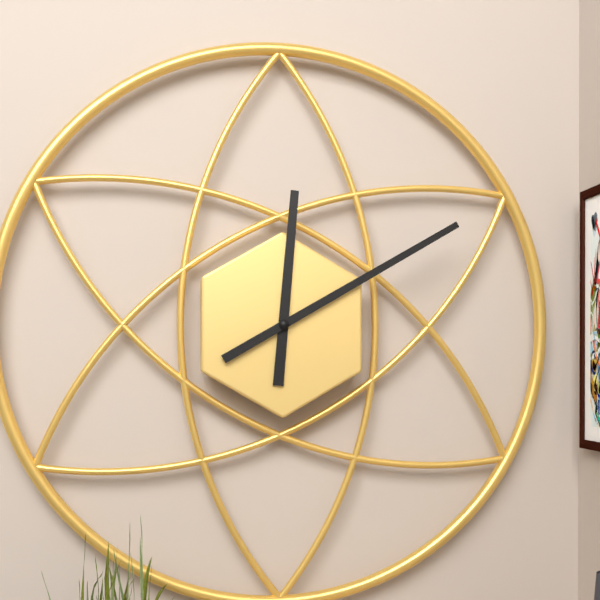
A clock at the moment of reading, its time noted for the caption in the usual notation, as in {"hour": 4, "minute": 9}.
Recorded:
{"hour": 12, "minute": 10}
